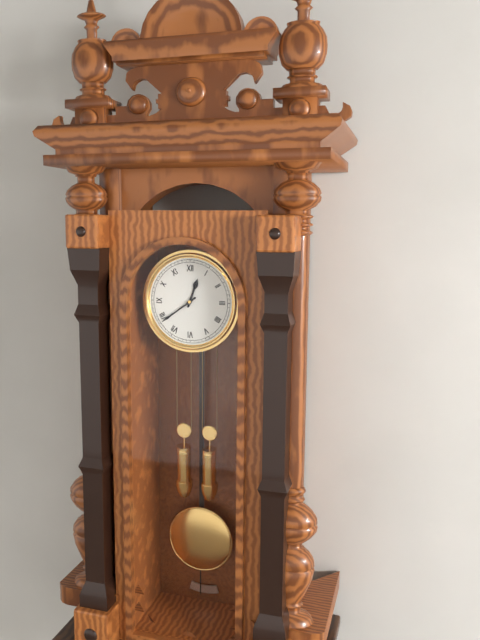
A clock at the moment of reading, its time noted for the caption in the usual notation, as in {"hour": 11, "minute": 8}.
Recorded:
{"hour": 12, "minute": 39}
